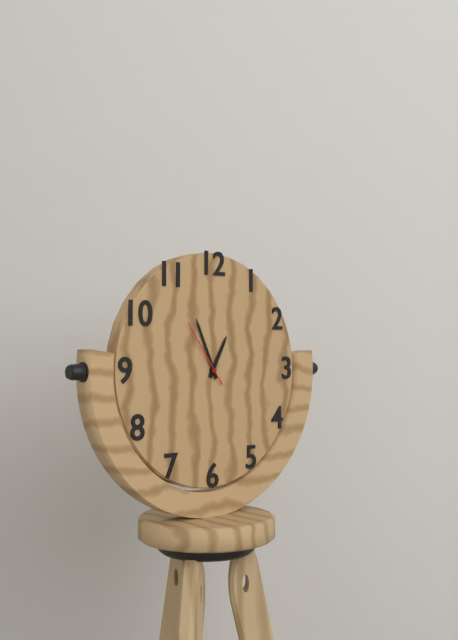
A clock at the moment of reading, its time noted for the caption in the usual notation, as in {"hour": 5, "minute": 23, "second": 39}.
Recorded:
{"hour": 12, "minute": 56, "second": 54}
